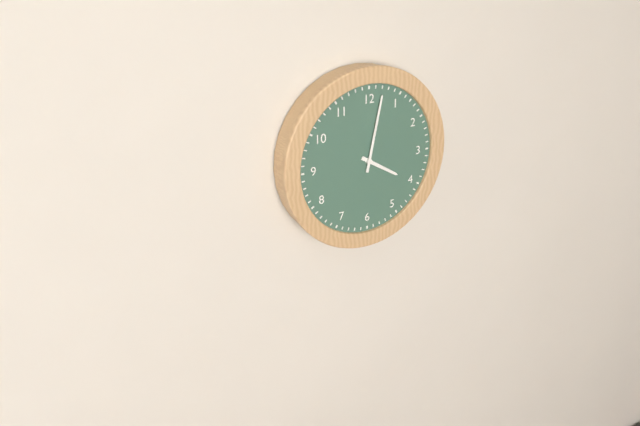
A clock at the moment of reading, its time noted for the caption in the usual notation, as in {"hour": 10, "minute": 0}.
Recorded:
{"hour": 4, "minute": 2}
